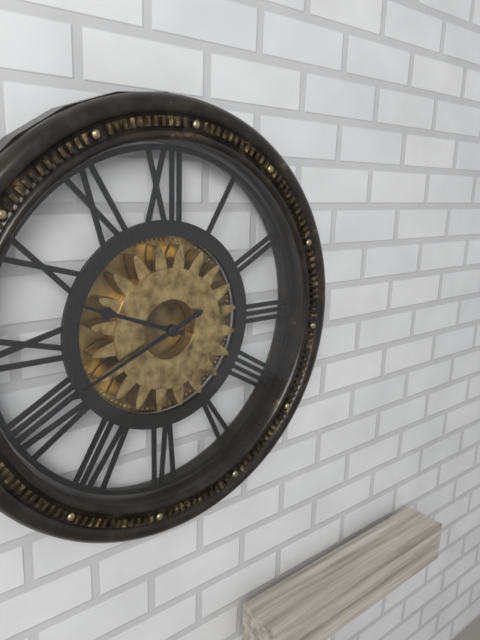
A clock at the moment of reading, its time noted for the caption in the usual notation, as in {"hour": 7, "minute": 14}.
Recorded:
{"hour": 9, "minute": 41}
